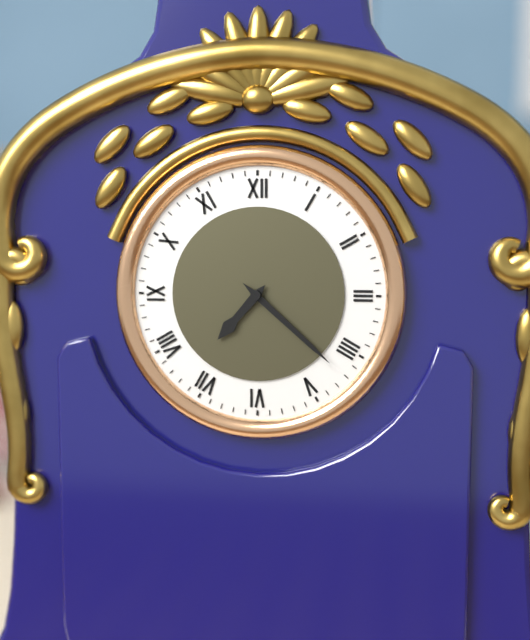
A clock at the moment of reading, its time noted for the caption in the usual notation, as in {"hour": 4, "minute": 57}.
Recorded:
{"hour": 7, "minute": 22}
